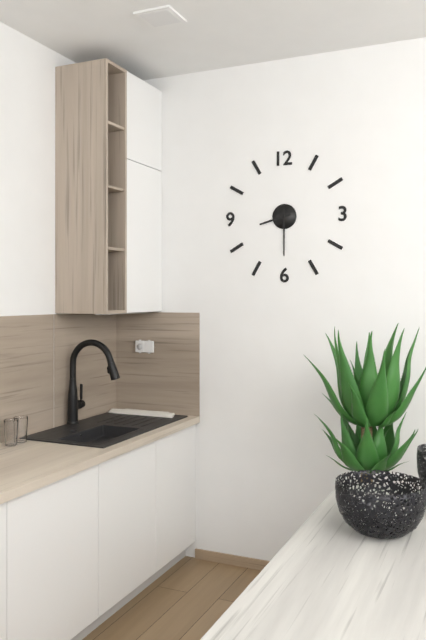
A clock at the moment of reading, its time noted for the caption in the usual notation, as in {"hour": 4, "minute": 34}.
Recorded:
{"hour": 8, "minute": 30}
